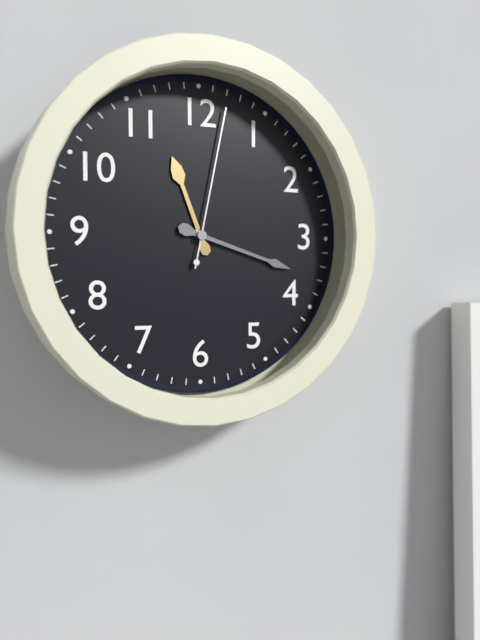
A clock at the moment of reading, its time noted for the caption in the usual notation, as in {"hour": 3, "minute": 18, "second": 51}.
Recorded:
{"hour": 11, "minute": 18, "second": 2}
